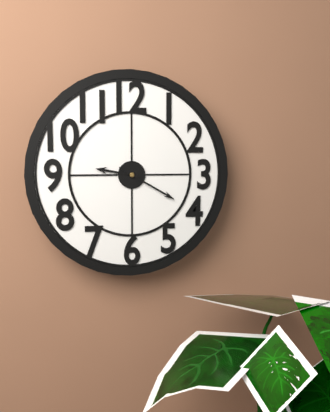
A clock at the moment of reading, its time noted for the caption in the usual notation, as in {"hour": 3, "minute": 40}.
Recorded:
{"hour": 9, "minute": 20}
